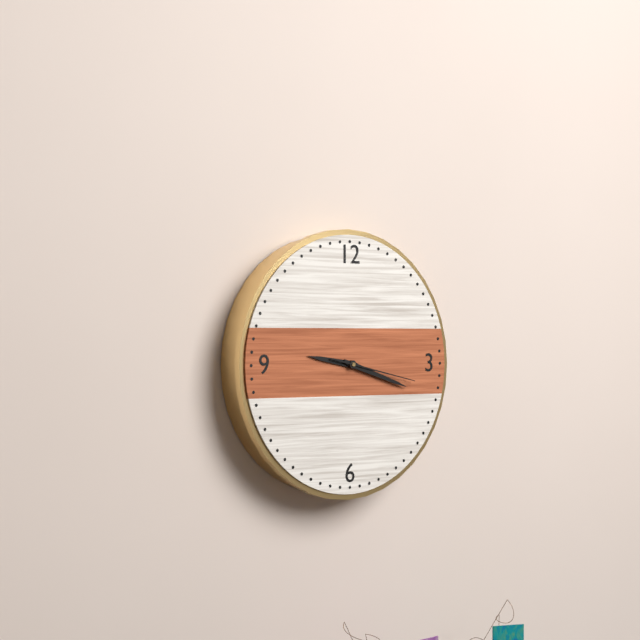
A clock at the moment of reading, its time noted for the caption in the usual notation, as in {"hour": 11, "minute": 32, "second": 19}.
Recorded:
{"hour": 9, "minute": 18, "second": 17}
